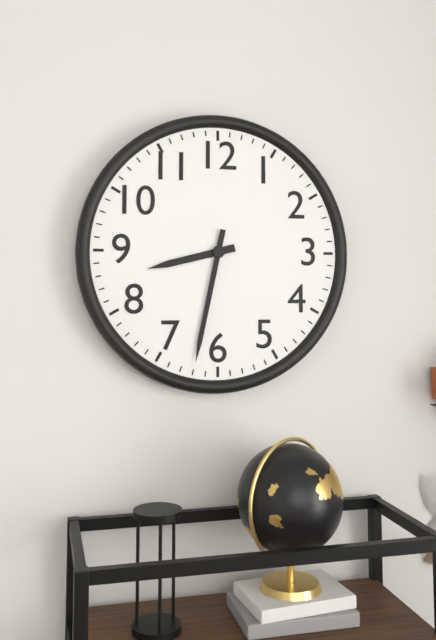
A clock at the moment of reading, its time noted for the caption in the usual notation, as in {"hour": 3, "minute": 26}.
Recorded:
{"hour": 8, "minute": 32}
